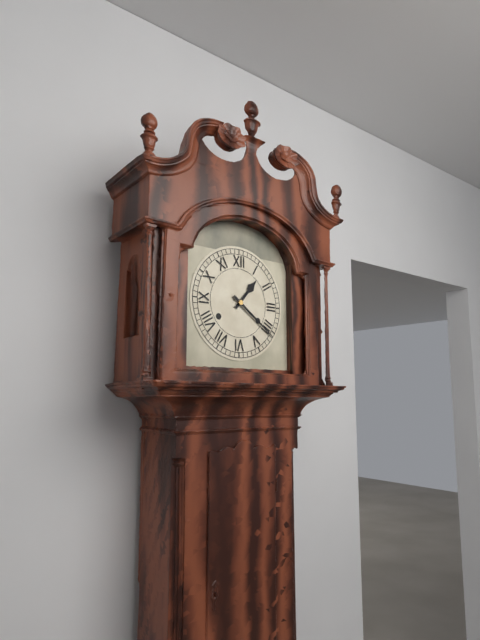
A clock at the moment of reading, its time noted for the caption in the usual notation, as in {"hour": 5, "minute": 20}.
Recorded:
{"hour": 1, "minute": 21}
